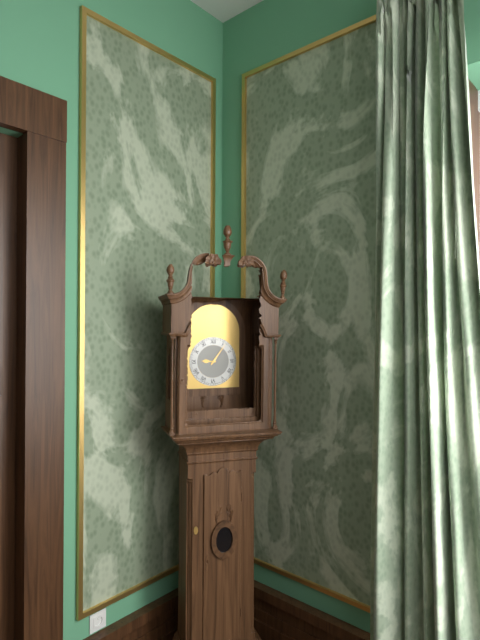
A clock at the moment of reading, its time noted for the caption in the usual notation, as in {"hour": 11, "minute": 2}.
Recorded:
{"hour": 9, "minute": 6}
